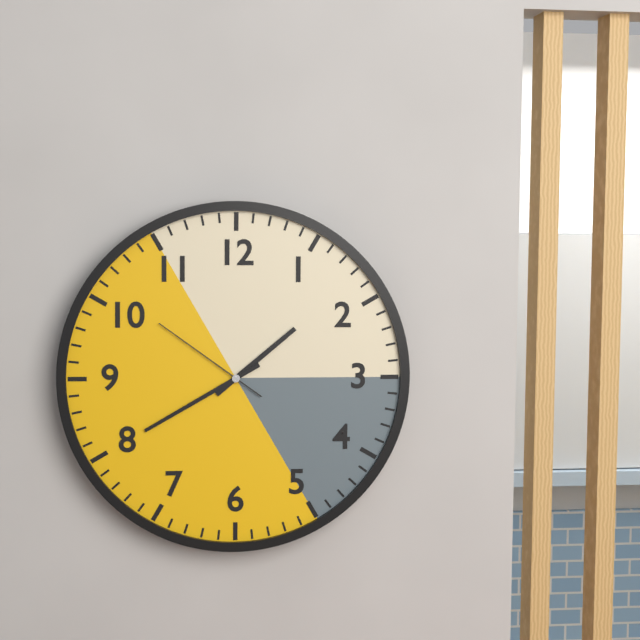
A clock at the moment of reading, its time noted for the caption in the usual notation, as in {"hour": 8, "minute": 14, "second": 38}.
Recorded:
{"hour": 1, "minute": 40, "second": 51}
